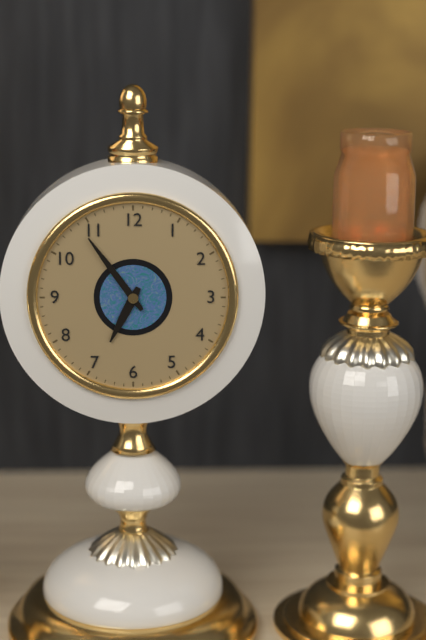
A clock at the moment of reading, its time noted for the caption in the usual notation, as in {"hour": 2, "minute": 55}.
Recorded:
{"hour": 6, "minute": 54}
